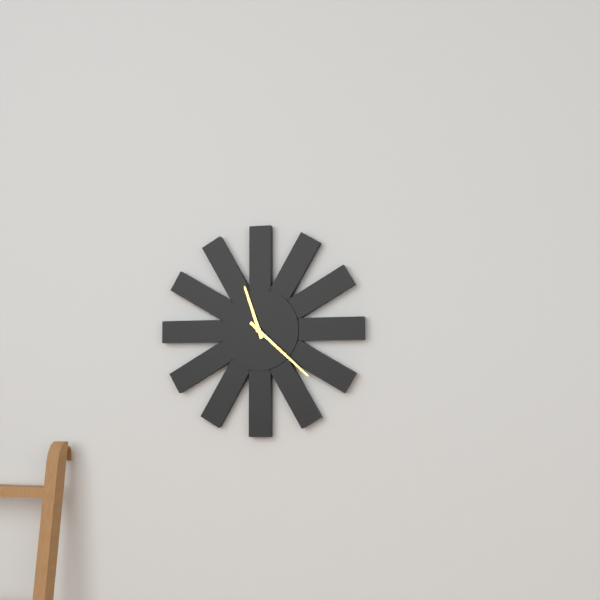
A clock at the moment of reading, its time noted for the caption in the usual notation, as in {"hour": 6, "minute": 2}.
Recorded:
{"hour": 11, "minute": 22}
